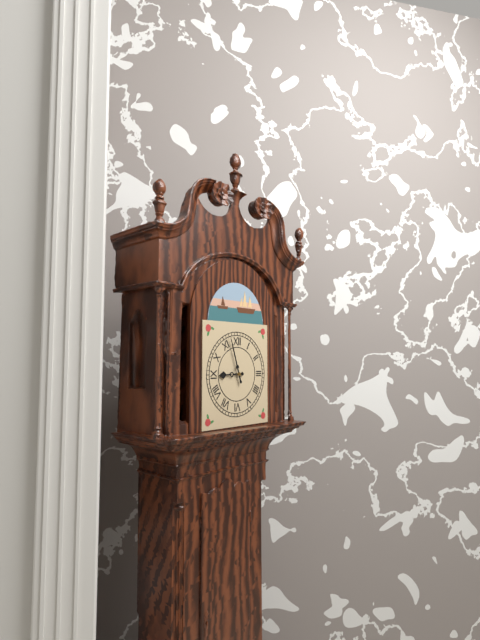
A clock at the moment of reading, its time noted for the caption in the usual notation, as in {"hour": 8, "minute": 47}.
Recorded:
{"hour": 8, "minute": 57}
